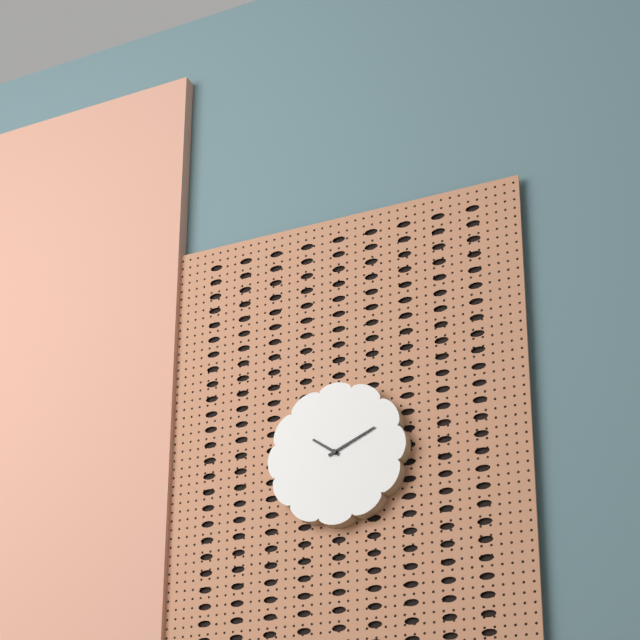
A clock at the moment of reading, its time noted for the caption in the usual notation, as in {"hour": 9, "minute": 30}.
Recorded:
{"hour": 10, "minute": 11}
